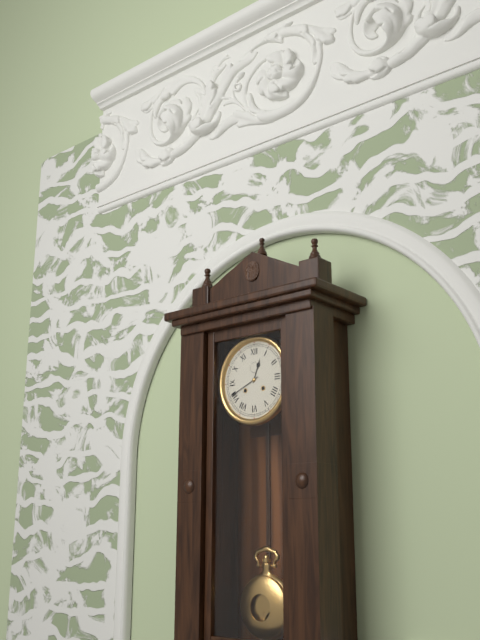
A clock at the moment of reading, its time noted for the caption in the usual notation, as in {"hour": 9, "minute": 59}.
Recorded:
{"hour": 12, "minute": 41}
